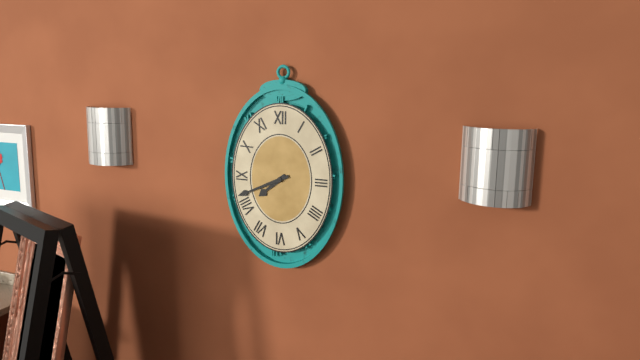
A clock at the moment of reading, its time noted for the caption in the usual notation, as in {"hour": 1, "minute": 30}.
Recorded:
{"hour": 7, "minute": 41}
